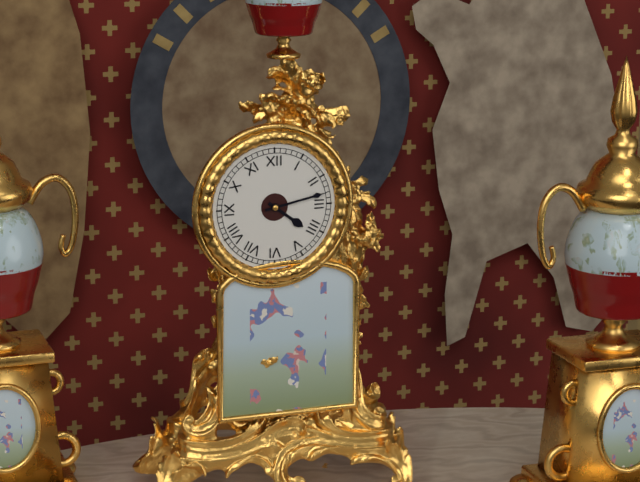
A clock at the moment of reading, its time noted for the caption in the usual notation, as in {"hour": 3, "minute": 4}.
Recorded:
{"hour": 4, "minute": 13}
